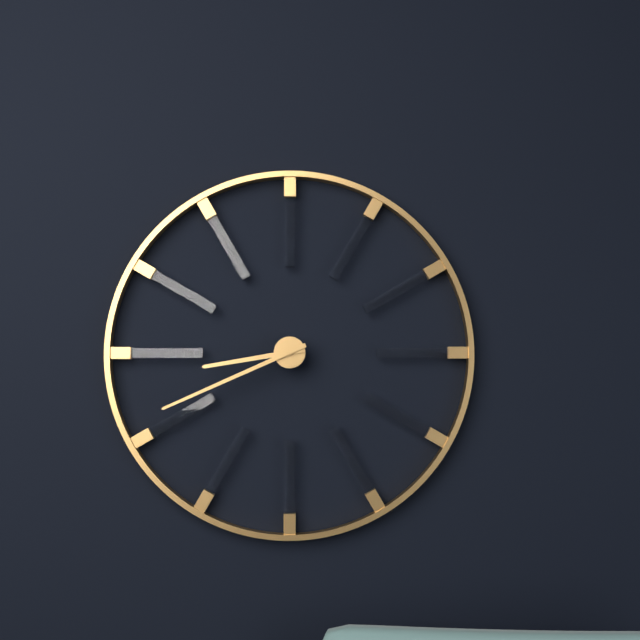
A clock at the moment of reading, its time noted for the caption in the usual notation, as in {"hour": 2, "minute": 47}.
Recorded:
{"hour": 8, "minute": 41}
